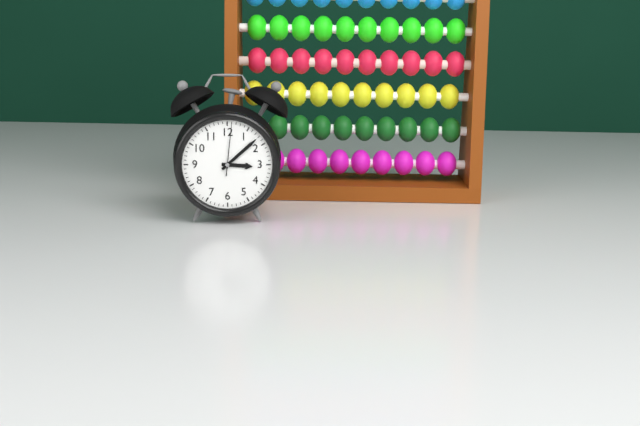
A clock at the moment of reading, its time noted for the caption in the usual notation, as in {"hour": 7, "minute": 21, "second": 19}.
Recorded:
{"hour": 3, "minute": 8, "second": 1}
